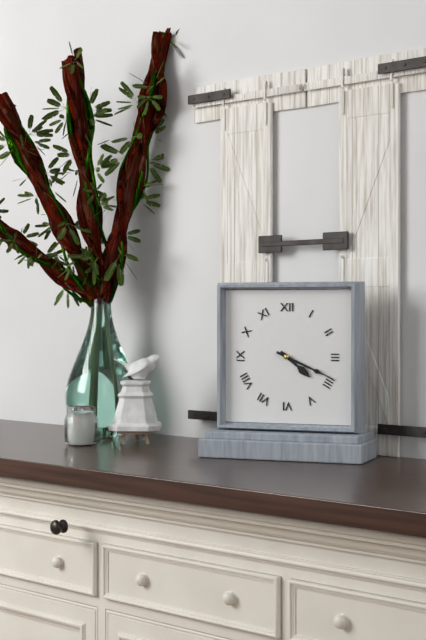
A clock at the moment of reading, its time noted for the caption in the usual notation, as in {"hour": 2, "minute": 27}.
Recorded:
{"hour": 4, "minute": 19}
